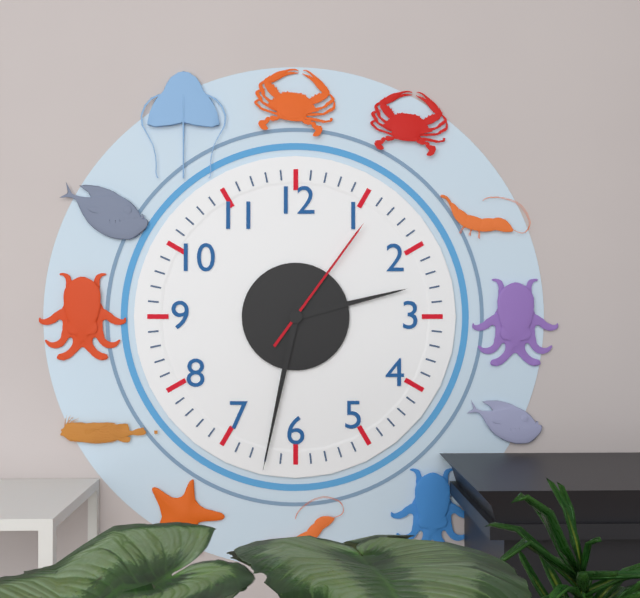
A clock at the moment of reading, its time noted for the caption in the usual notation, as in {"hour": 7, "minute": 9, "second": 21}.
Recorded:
{"hour": 2, "minute": 32, "second": 6}
